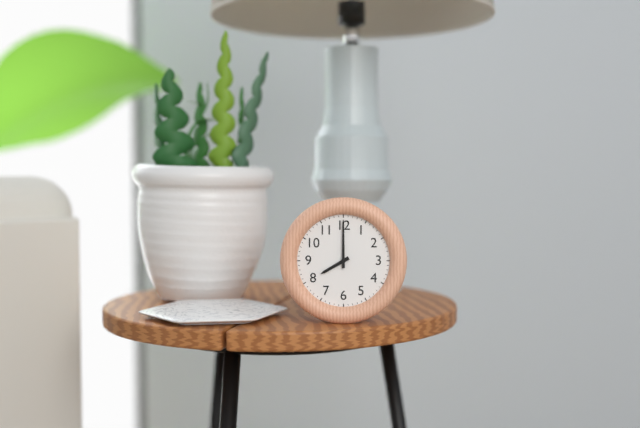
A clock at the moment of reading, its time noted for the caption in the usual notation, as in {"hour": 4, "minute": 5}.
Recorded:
{"hour": 8, "minute": 0}
